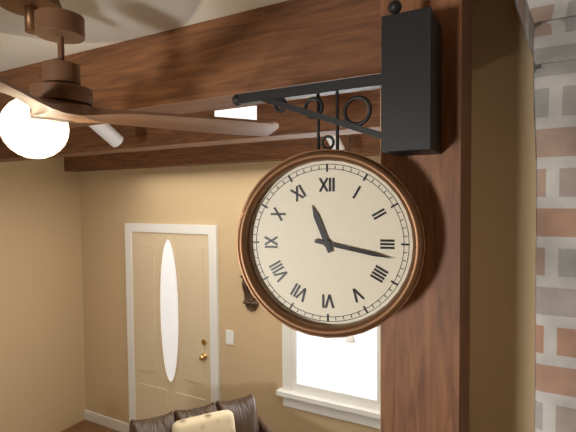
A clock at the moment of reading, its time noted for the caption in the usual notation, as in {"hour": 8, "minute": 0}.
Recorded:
{"hour": 11, "minute": 17}
